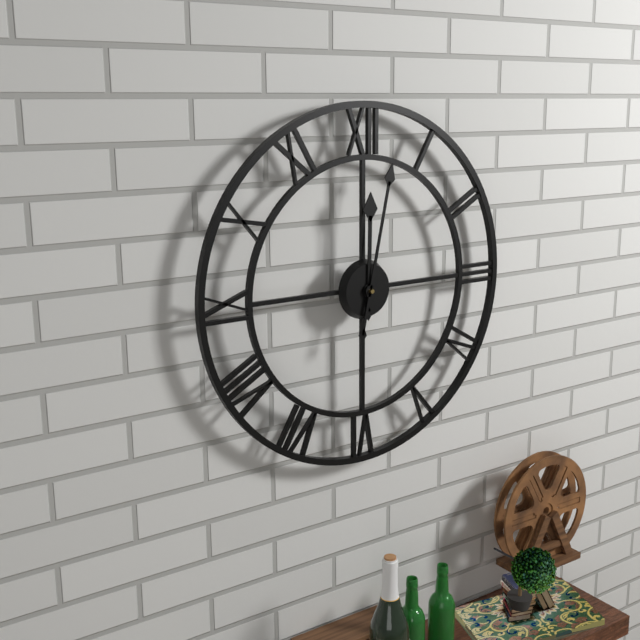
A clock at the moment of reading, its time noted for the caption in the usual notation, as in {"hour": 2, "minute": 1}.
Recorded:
{"hour": 12, "minute": 2}
